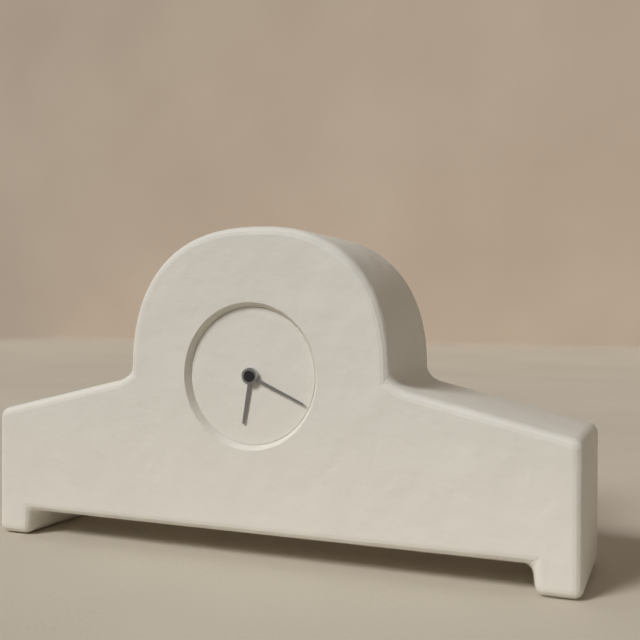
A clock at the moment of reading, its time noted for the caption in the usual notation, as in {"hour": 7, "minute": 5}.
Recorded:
{"hour": 6, "minute": 19}
